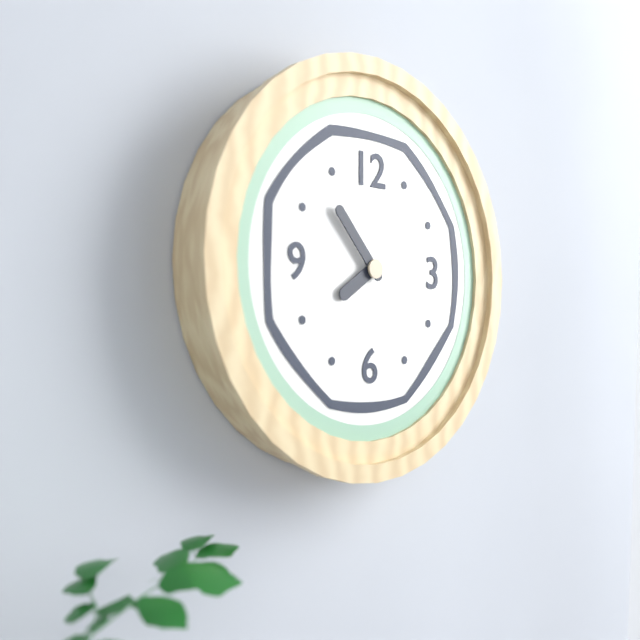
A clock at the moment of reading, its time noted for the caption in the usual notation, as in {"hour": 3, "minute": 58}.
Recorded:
{"hour": 7, "minute": 53}
